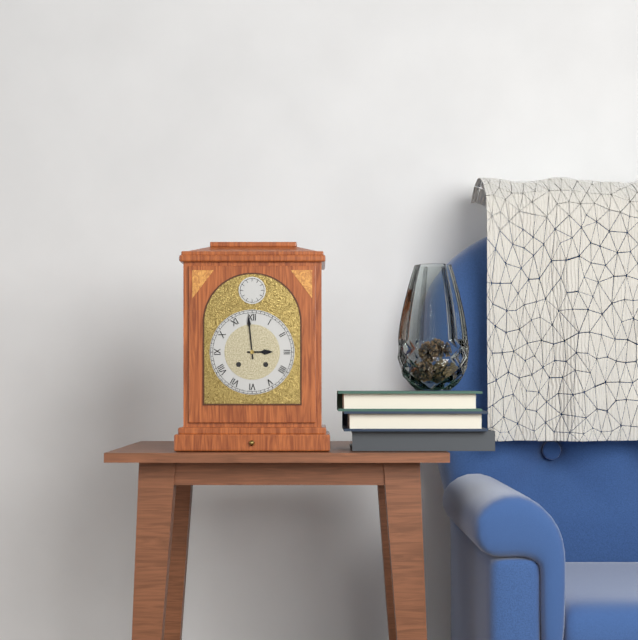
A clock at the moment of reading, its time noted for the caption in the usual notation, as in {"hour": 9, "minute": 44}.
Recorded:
{"hour": 2, "minute": 59}
